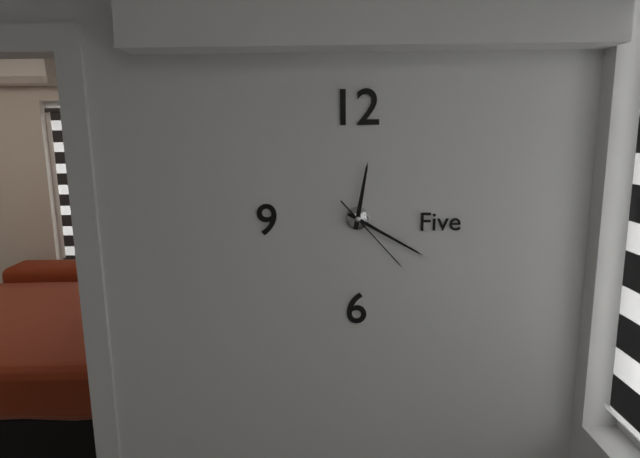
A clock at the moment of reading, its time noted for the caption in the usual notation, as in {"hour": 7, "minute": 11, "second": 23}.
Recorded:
{"hour": 12, "minute": 20, "second": 23}
